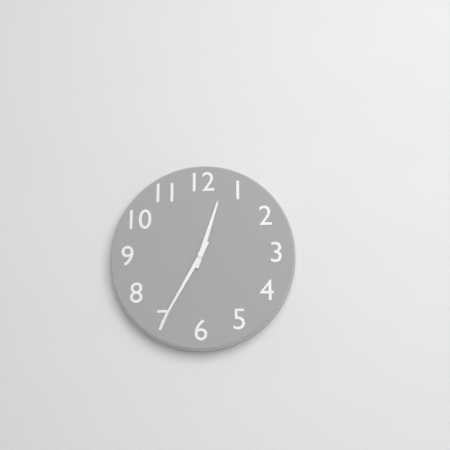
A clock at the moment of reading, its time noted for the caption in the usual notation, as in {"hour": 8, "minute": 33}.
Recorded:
{"hour": 12, "minute": 35}
